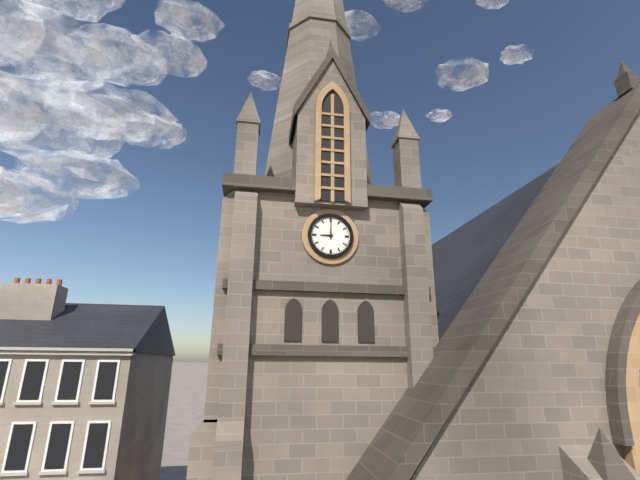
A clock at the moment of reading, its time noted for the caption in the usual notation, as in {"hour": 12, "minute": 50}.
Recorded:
{"hour": 9, "minute": 0}
